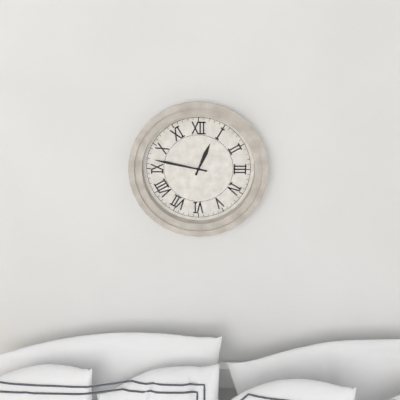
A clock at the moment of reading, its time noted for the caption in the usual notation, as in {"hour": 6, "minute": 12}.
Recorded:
{"hour": 12, "minute": 47}
